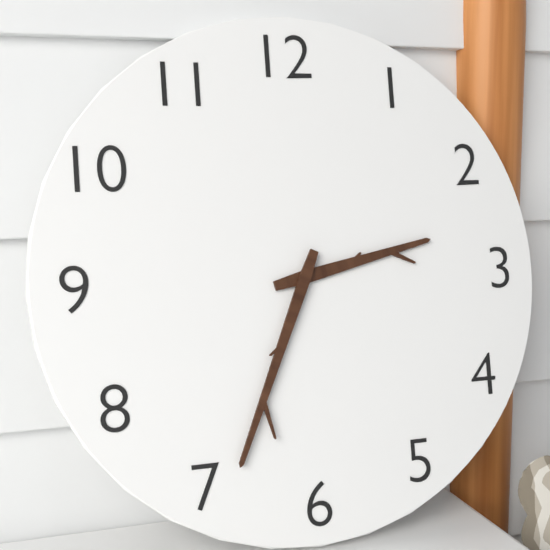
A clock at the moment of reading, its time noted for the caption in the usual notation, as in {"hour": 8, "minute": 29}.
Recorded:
{"hour": 2, "minute": 34}
